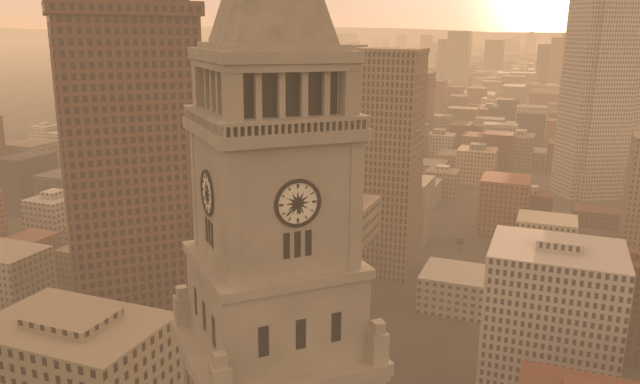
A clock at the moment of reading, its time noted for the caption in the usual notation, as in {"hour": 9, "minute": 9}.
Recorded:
{"hour": 5, "minute": 38}
